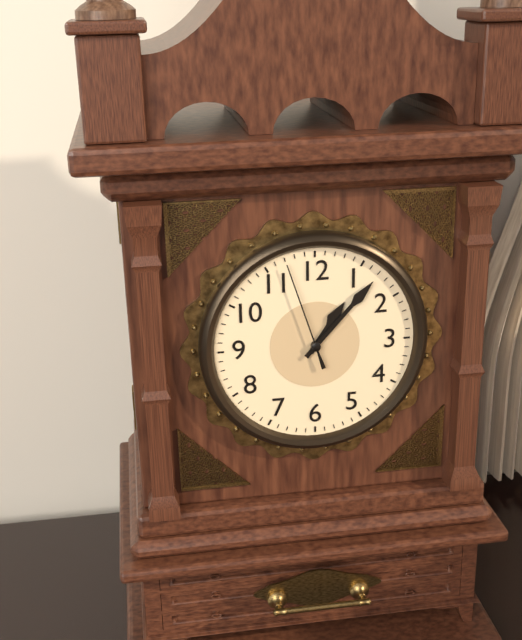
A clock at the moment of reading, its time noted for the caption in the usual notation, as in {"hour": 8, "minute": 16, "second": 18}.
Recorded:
{"hour": 1, "minute": 7, "second": 57}
